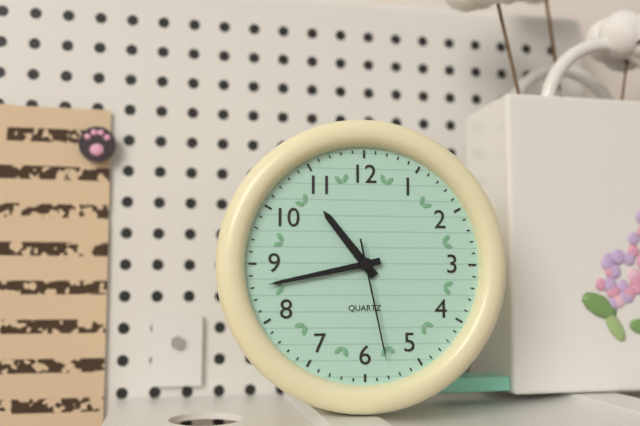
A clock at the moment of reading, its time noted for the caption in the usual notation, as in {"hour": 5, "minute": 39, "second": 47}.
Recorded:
{"hour": 10, "minute": 43, "second": 28}
